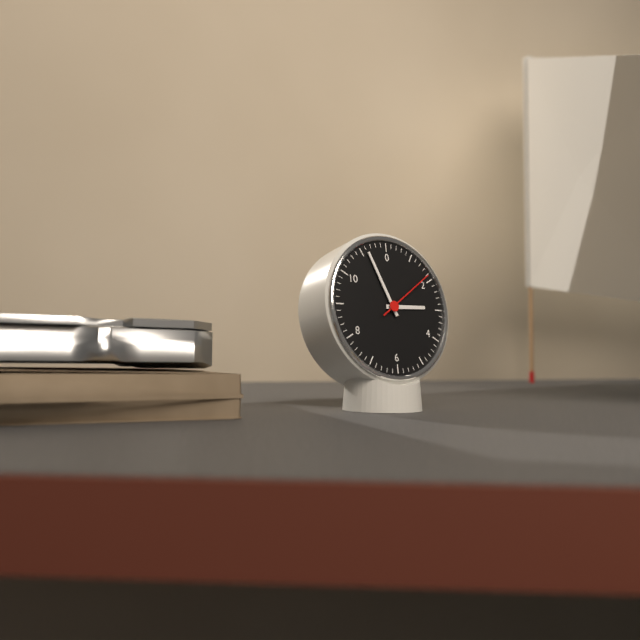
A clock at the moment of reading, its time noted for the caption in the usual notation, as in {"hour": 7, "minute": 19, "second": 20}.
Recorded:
{"hour": 2, "minute": 56, "second": 9}
